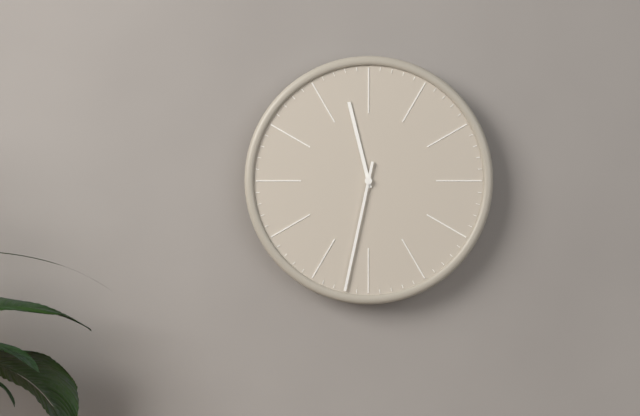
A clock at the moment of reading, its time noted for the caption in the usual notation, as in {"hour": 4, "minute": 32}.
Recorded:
{"hour": 11, "minute": 32}
